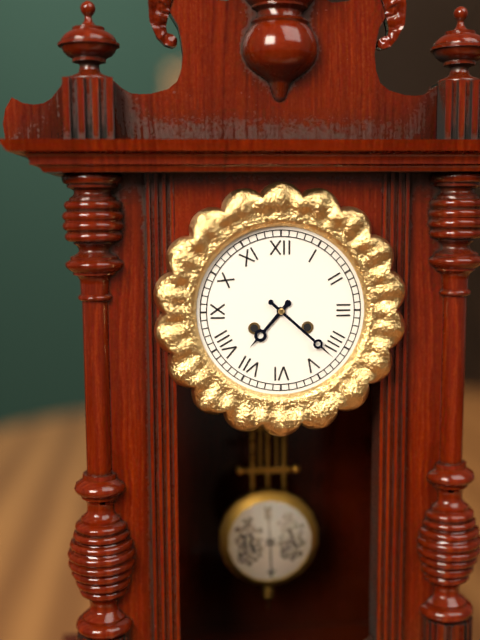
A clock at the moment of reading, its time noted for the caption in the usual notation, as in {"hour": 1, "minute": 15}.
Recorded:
{"hour": 7, "minute": 22}
